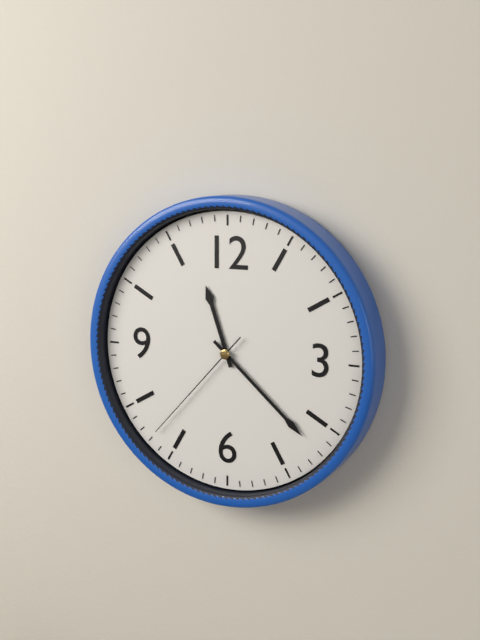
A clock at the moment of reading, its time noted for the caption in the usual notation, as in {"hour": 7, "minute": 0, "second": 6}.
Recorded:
{"hour": 11, "minute": 22, "second": 37}
